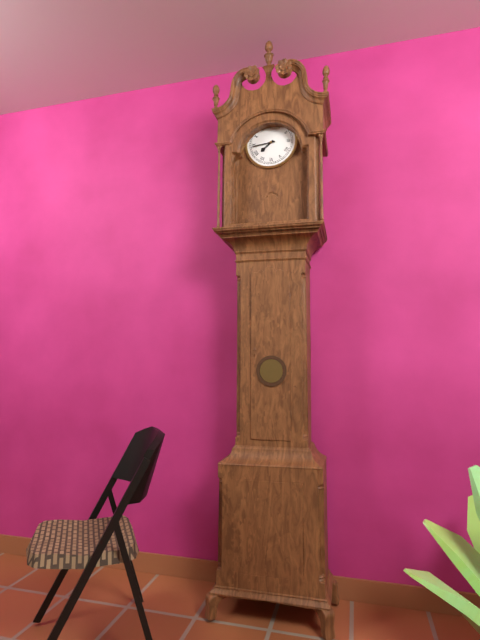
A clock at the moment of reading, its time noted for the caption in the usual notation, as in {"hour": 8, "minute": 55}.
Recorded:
{"hour": 7, "minute": 44}
